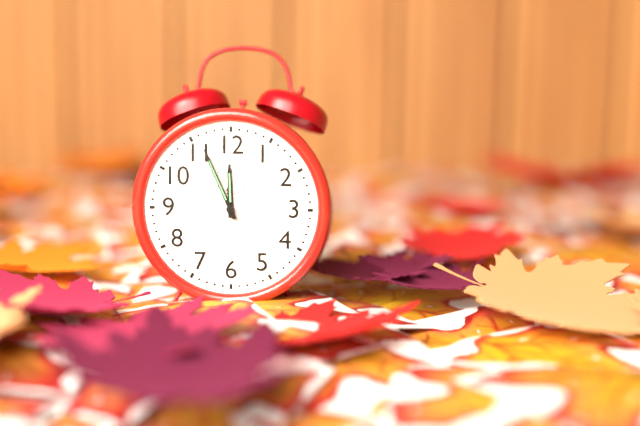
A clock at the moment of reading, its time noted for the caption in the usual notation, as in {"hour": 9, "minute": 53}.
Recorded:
{"hour": 11, "minute": 56}
